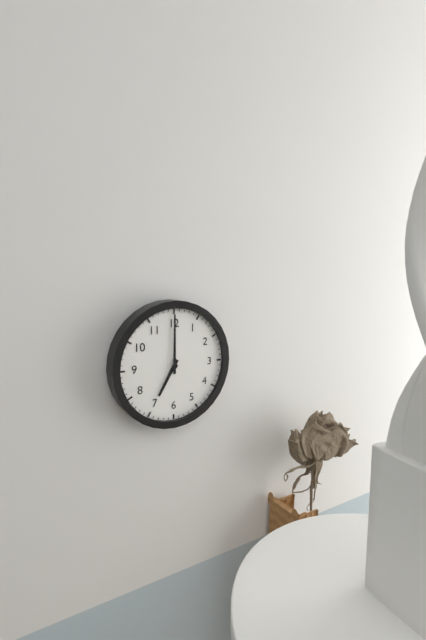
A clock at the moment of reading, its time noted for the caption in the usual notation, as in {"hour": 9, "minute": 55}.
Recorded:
{"hour": 7, "minute": 0}
